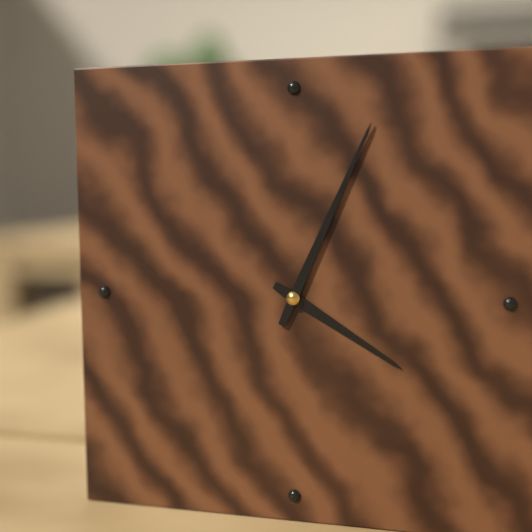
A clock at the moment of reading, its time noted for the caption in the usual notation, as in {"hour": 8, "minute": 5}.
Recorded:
{"hour": 4, "minute": 4}
